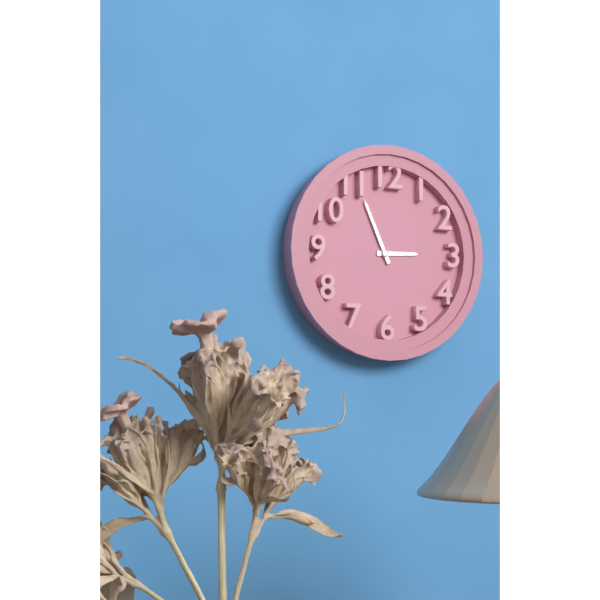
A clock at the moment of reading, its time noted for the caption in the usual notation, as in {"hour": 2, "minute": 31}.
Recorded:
{"hour": 2, "minute": 56}
